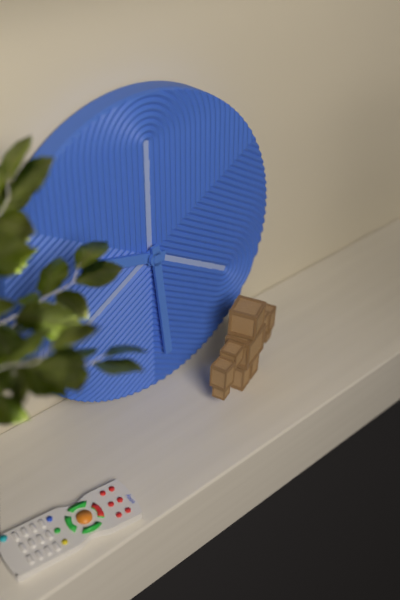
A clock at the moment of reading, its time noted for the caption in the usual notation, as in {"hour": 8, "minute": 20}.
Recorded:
{"hour": 9, "minute": 29}
